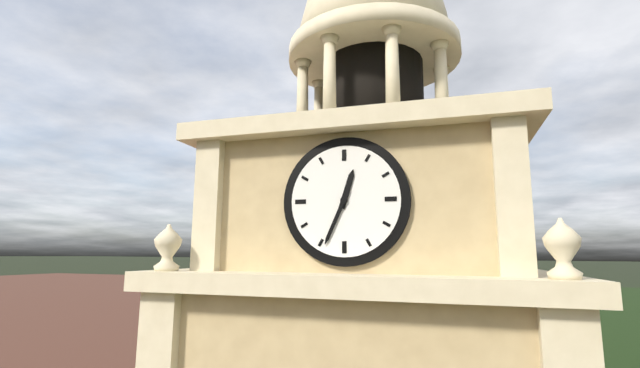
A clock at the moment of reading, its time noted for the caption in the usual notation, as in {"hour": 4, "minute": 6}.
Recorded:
{"hour": 12, "minute": 34}
